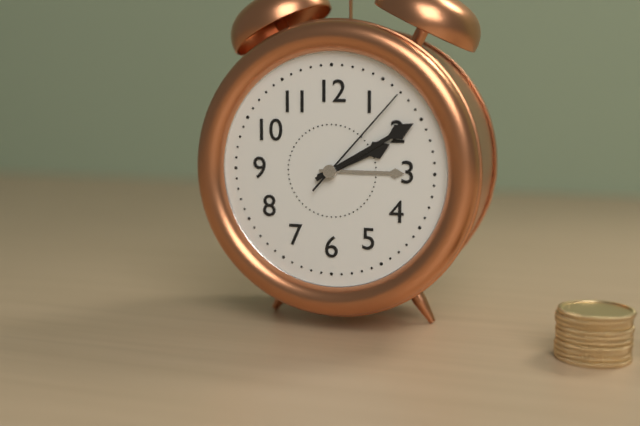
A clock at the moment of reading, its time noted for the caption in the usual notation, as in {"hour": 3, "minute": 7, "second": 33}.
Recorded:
{"hour": 2, "minute": 10, "second": 7}
